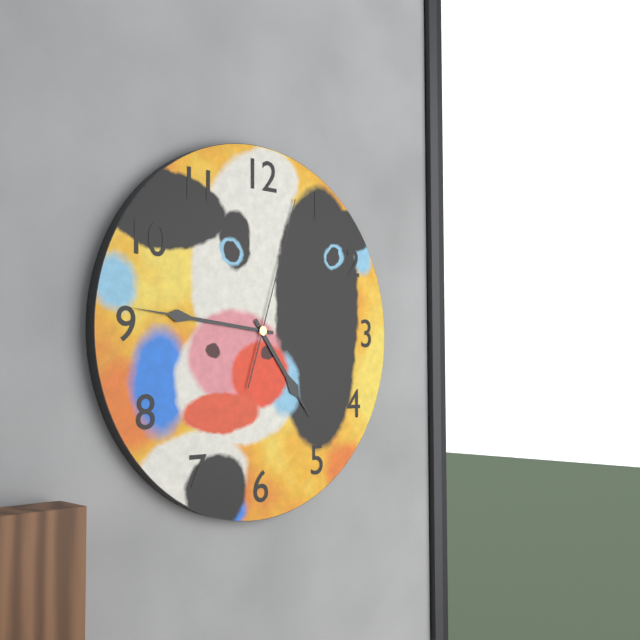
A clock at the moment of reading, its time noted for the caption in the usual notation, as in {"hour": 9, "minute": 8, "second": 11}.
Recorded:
{"hour": 4, "minute": 46, "second": 3}
